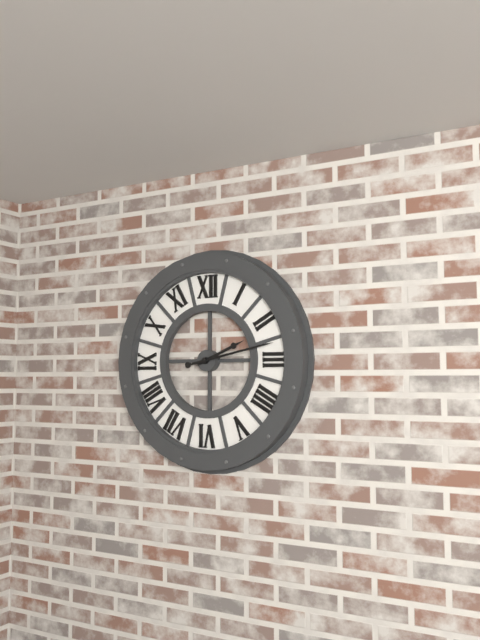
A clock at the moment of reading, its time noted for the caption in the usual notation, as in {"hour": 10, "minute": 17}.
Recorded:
{"hour": 2, "minute": 13}
